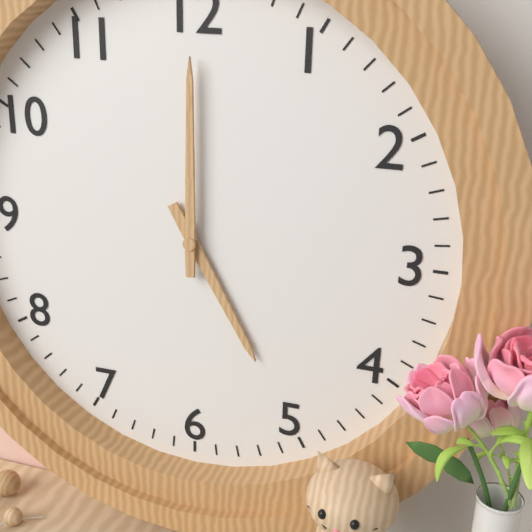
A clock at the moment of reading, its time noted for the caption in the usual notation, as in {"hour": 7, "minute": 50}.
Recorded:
{"hour": 5, "minute": 0}
